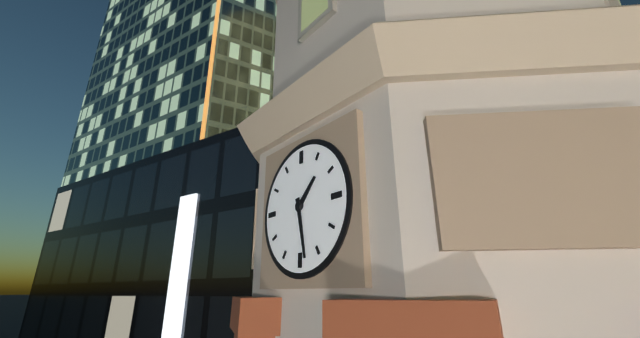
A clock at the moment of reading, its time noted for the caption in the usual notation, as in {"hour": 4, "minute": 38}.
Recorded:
{"hour": 1, "minute": 28}
